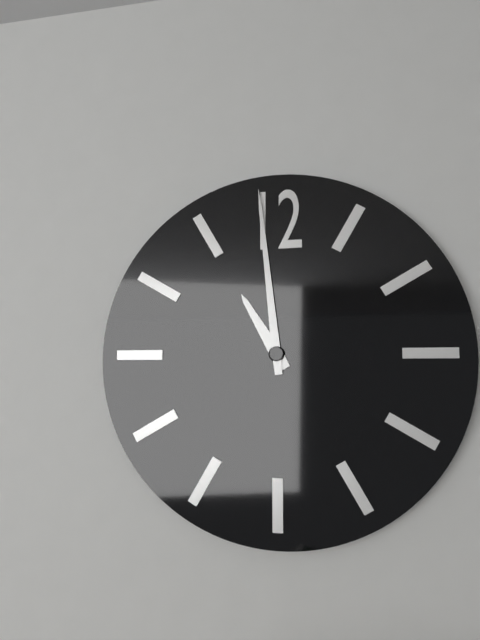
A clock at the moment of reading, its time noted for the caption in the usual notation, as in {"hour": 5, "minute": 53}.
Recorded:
{"hour": 10, "minute": 59}
